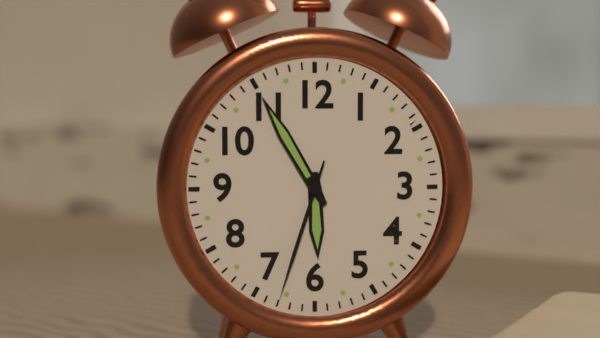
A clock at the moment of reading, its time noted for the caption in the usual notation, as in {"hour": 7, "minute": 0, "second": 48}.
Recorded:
{"hour": 5, "minute": 55, "second": 33}
